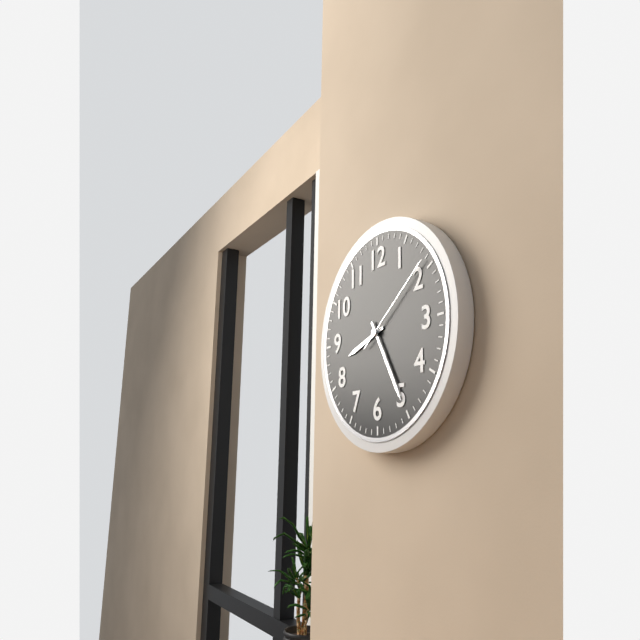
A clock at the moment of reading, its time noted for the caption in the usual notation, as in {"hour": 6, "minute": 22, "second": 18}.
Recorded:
{"hour": 8, "minute": 25, "second": 9}
